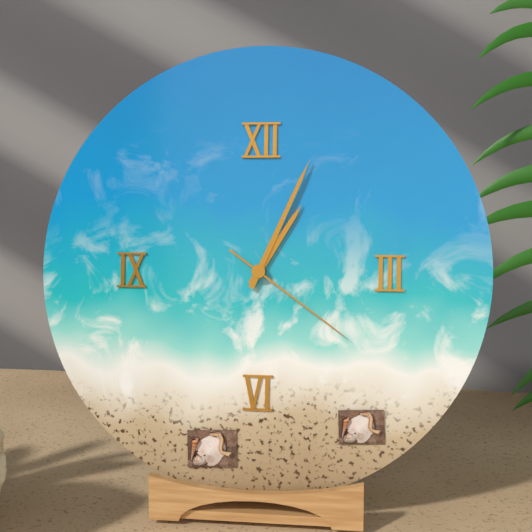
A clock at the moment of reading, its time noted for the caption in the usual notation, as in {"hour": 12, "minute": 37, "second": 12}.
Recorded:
{"hour": 1, "minute": 4, "second": 21}
